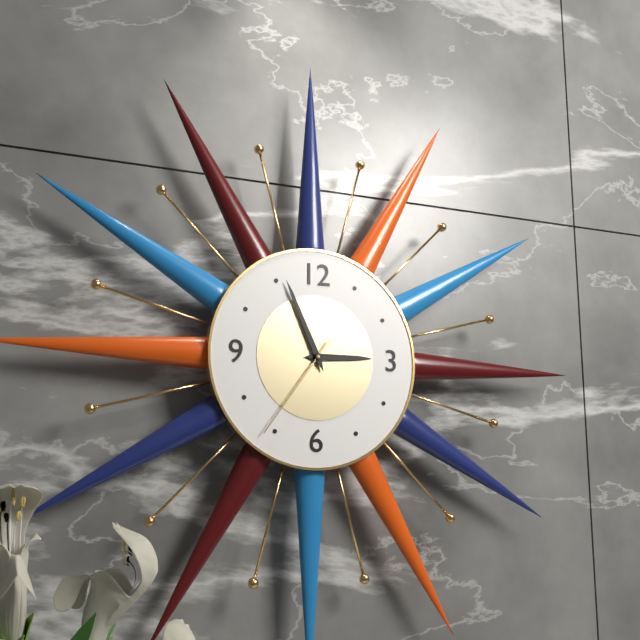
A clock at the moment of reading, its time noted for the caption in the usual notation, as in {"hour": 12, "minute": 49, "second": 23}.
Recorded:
{"hour": 2, "minute": 56, "second": 36}
